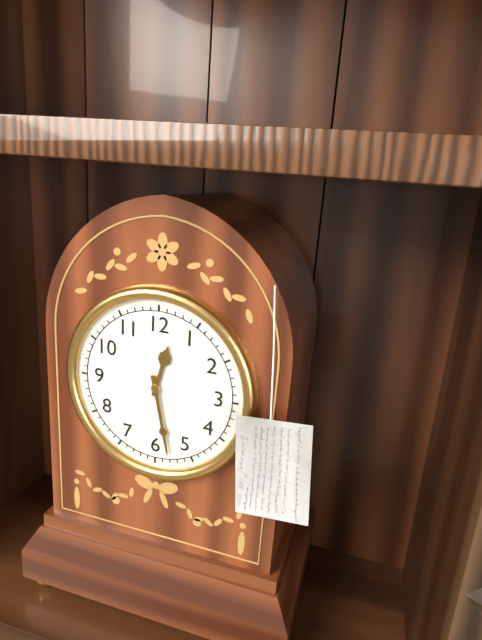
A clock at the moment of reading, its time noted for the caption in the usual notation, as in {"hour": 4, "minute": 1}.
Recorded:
{"hour": 12, "minute": 28}
